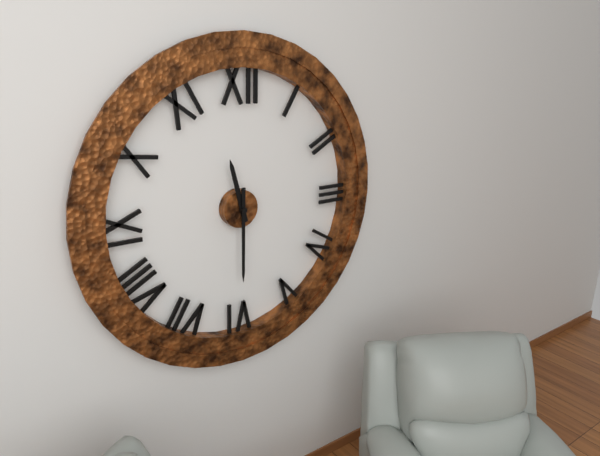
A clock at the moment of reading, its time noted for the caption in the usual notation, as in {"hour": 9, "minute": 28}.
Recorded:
{"hour": 11, "minute": 30}
